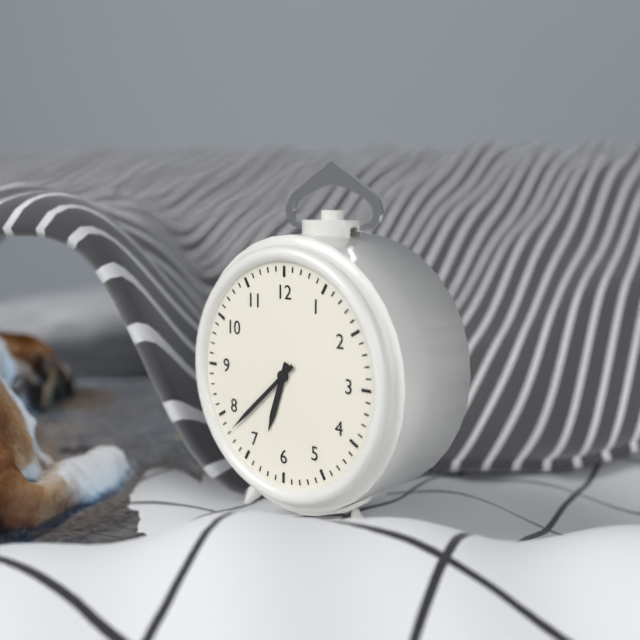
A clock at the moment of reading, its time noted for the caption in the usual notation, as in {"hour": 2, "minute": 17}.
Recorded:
{"hour": 6, "minute": 38}
